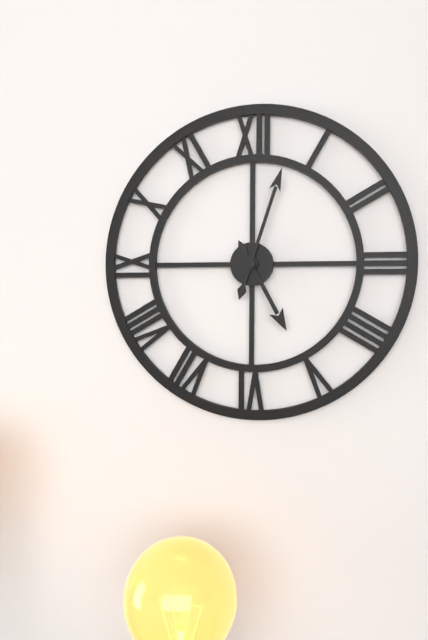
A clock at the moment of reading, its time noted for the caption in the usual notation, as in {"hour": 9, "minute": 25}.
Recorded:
{"hour": 5, "minute": 3}
